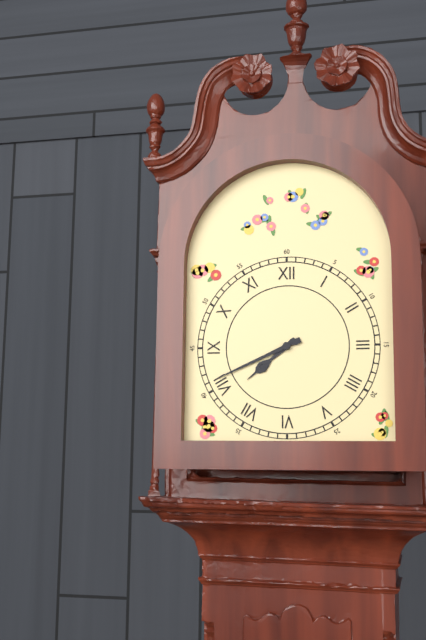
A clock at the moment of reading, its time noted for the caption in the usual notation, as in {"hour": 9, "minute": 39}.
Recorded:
{"hour": 7, "minute": 41}
